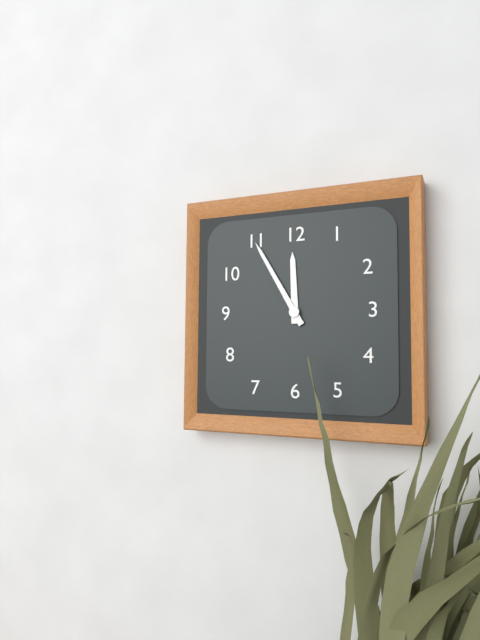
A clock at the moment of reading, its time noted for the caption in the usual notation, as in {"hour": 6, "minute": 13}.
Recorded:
{"hour": 11, "minute": 55}
